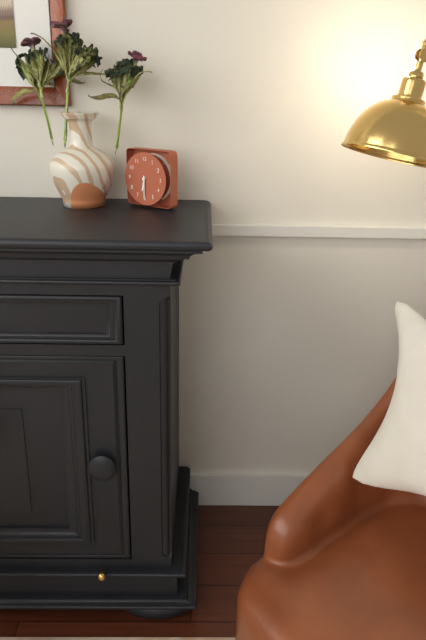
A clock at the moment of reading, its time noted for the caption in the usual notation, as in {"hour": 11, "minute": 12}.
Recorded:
{"hour": 6, "minute": 30}
